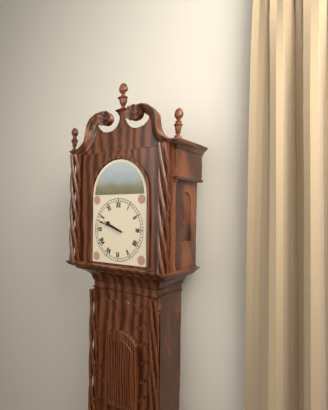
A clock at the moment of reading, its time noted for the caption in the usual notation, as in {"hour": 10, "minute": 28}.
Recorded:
{"hour": 9, "minute": 48}
